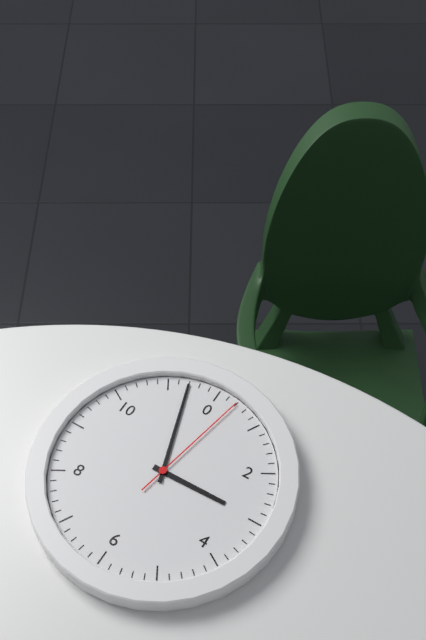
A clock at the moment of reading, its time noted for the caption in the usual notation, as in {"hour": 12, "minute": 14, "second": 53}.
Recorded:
{"hour": 2, "minute": 57, "second": 2}
